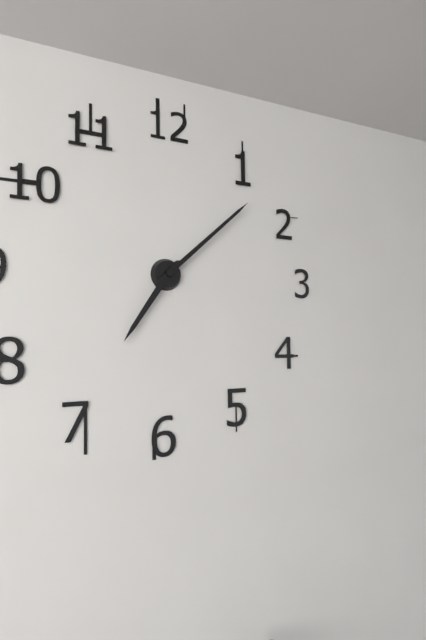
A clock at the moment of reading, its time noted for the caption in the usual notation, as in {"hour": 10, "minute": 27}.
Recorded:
{"hour": 7, "minute": 8}
